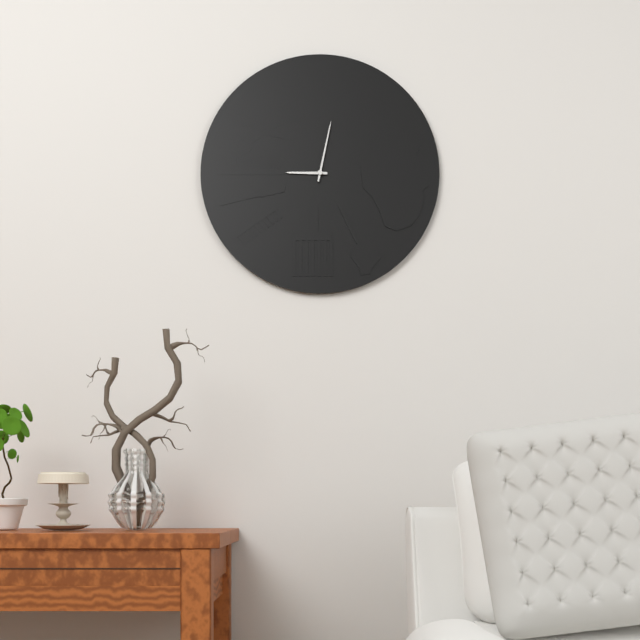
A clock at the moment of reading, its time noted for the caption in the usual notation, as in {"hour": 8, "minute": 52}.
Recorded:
{"hour": 9, "minute": 2}
